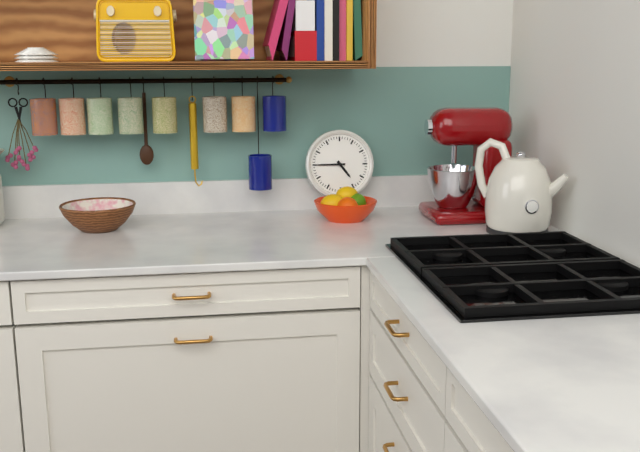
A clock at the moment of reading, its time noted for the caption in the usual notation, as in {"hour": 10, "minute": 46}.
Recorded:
{"hour": 4, "minute": 45}
